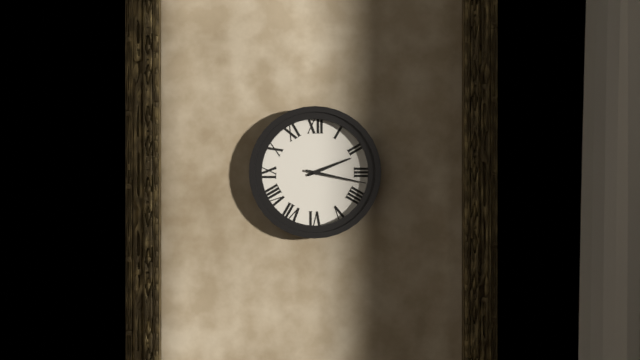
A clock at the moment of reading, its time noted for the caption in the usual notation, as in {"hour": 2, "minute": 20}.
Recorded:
{"hour": 2, "minute": 17}
